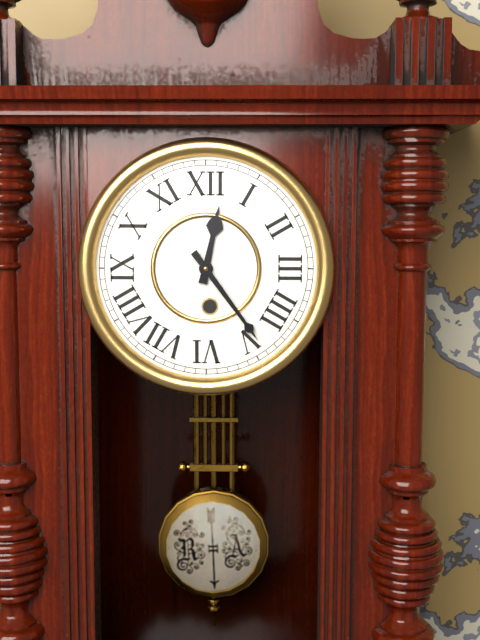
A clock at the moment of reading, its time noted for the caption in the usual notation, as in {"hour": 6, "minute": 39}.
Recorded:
{"hour": 12, "minute": 24}
